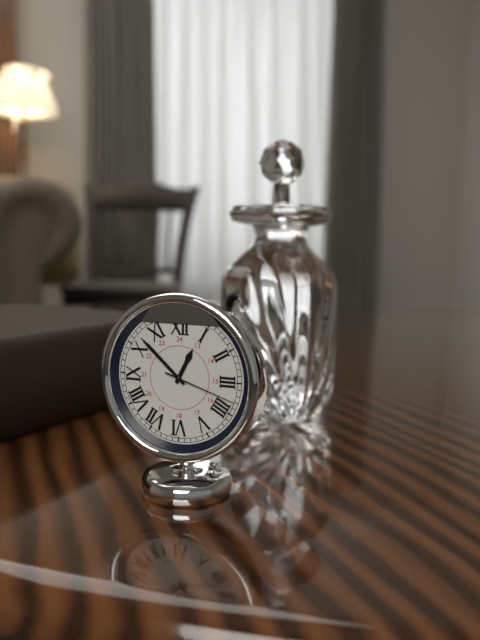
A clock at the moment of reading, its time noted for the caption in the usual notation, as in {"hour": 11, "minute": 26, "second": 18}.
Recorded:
{"hour": 12, "minute": 52, "second": 18}
